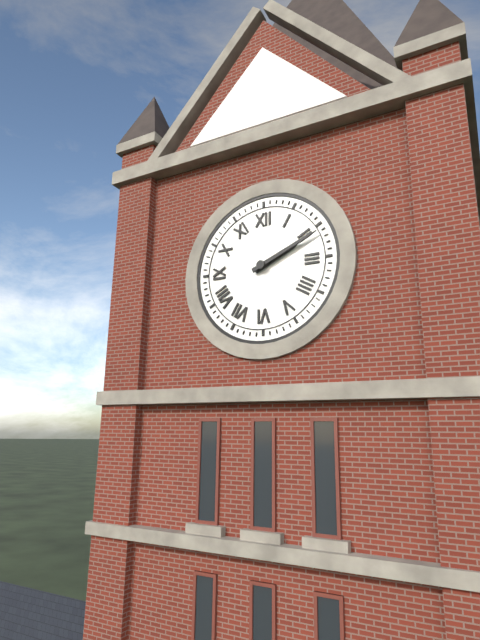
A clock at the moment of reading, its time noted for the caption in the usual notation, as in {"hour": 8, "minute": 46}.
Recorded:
{"hour": 2, "minute": 11}
